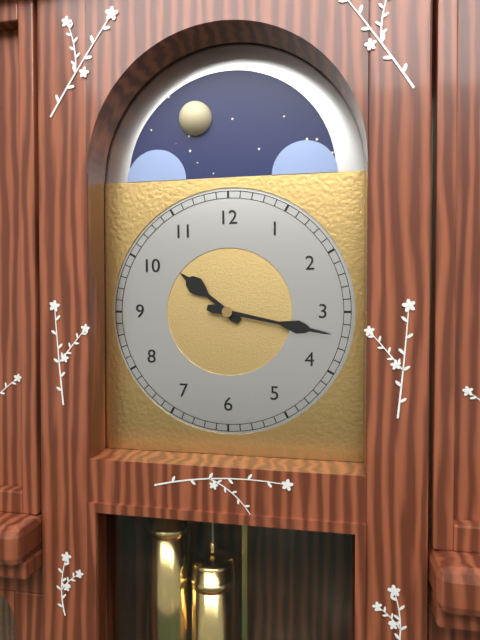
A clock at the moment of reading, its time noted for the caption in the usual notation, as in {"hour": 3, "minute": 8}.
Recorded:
{"hour": 10, "minute": 17}
